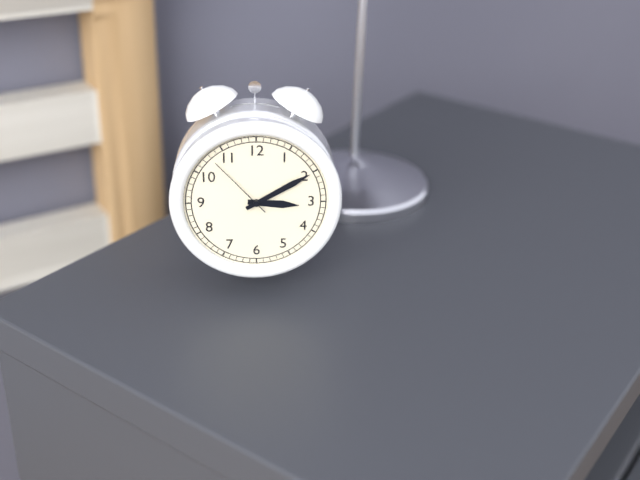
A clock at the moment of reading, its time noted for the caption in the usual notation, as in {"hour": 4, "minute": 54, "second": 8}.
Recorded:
{"hour": 3, "minute": 10, "second": 53}
